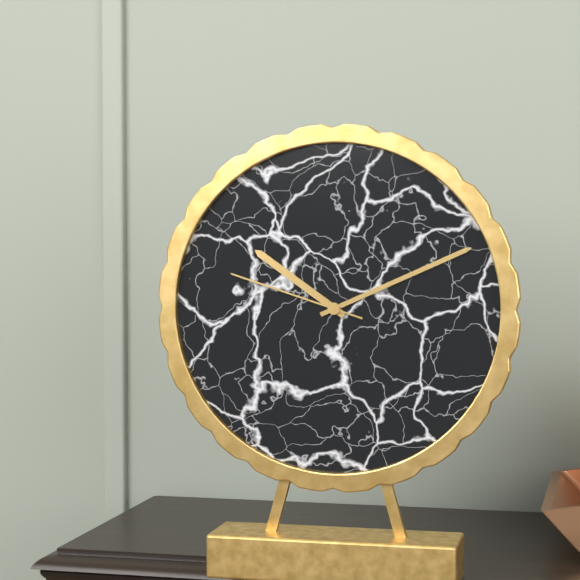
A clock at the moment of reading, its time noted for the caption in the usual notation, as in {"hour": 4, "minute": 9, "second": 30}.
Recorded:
{"hour": 10, "minute": 11, "second": 48}
